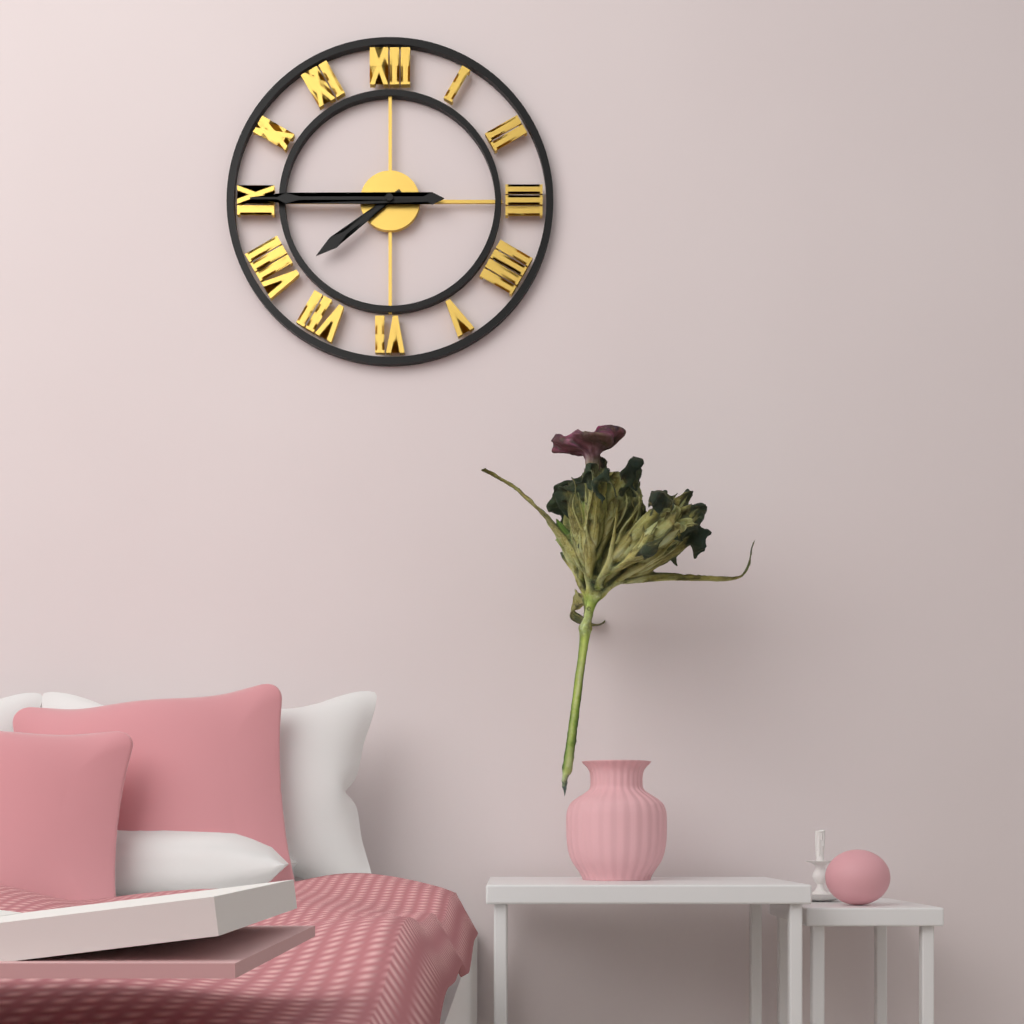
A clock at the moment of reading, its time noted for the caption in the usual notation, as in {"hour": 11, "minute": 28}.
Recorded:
{"hour": 7, "minute": 45}
